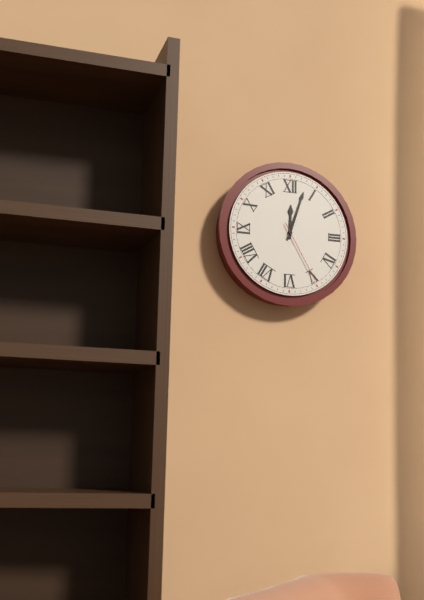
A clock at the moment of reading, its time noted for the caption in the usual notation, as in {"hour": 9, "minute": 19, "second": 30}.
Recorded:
{"hour": 12, "minute": 3, "second": 25}
